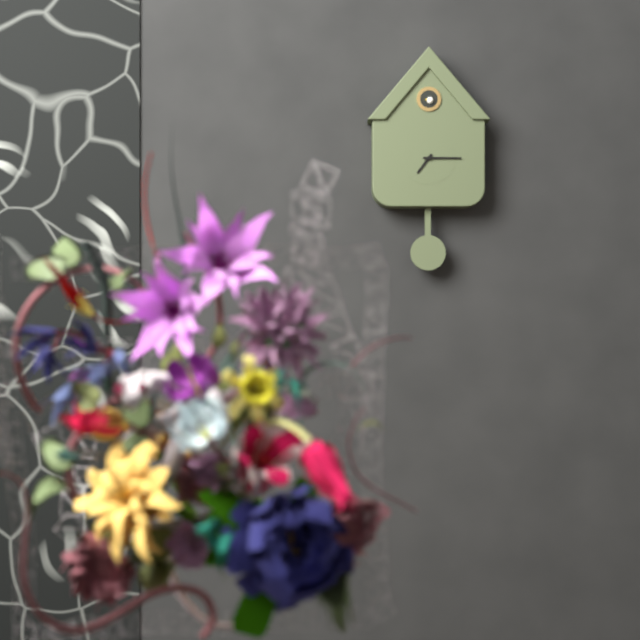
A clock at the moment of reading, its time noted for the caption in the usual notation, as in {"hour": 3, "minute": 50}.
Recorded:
{"hour": 7, "minute": 15}
